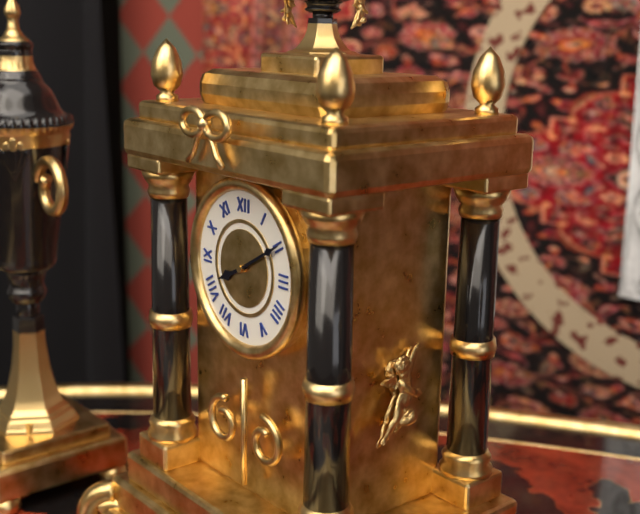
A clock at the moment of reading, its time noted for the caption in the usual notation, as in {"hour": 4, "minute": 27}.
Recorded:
{"hour": 8, "minute": 10}
